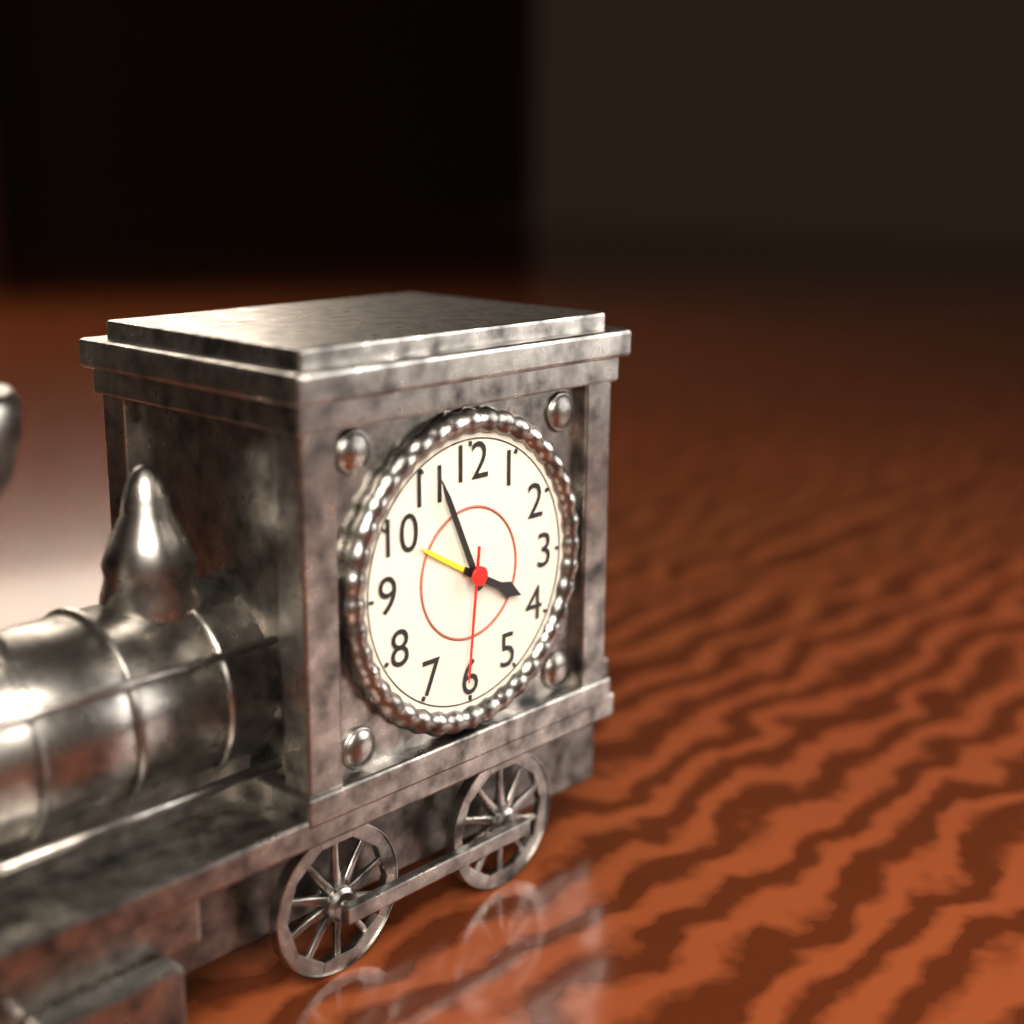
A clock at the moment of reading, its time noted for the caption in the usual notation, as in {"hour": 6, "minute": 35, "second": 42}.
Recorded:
{"hour": 3, "minute": 56, "second": 31}
